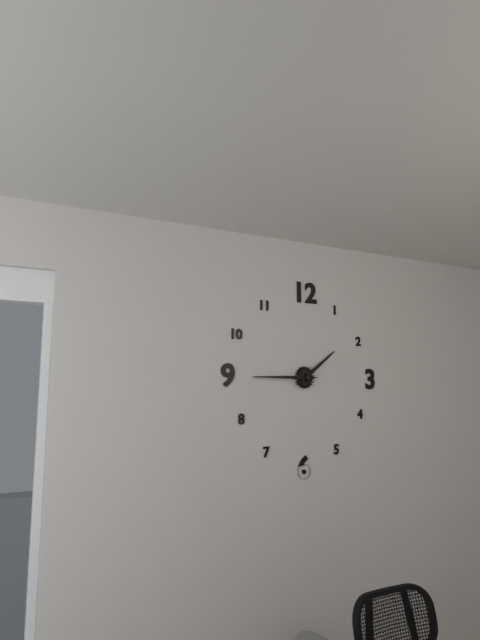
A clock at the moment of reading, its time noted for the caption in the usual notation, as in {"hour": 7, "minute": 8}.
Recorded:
{"hour": 1, "minute": 45}
